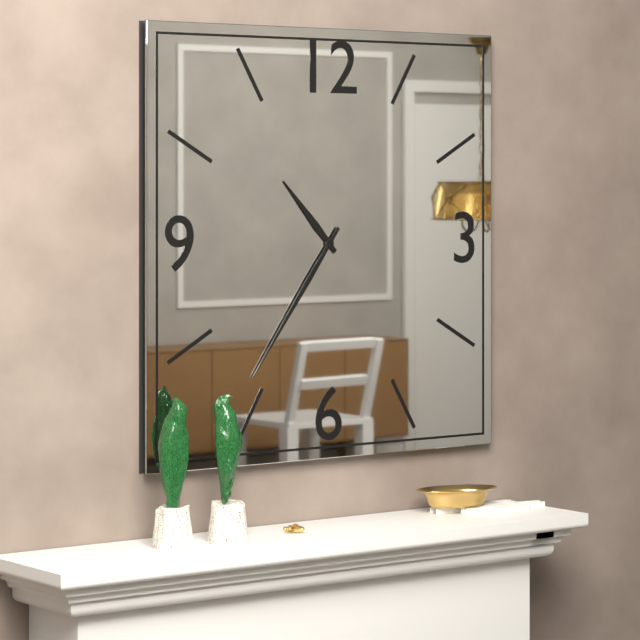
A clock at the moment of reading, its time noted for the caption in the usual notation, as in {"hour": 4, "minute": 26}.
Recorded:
{"hour": 10, "minute": 36}
